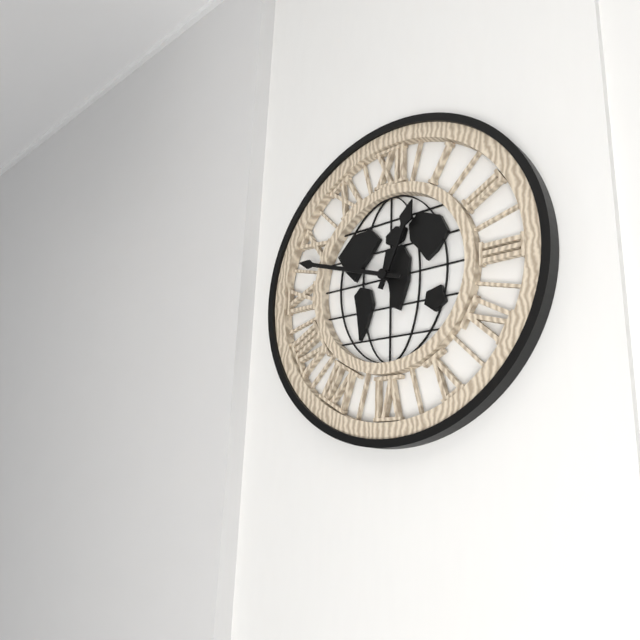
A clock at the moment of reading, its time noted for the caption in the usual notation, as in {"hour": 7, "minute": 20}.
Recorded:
{"hour": 12, "minute": 48}
